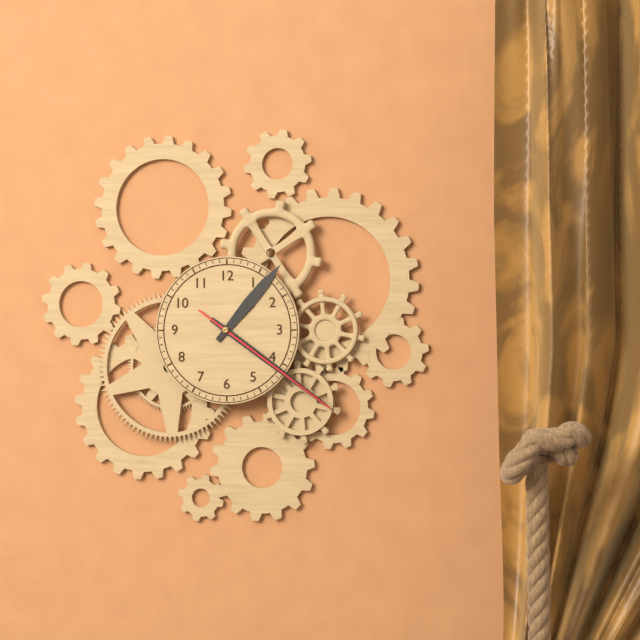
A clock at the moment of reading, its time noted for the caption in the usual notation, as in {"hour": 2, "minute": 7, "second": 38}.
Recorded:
{"hour": 1, "minute": 21, "second": 21}
